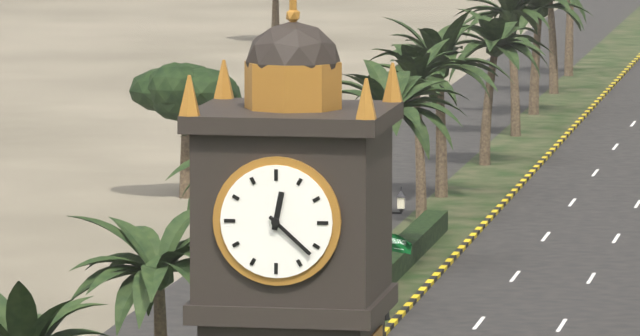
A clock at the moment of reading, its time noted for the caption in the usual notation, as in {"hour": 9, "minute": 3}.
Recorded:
{"hour": 12, "minute": 22}
